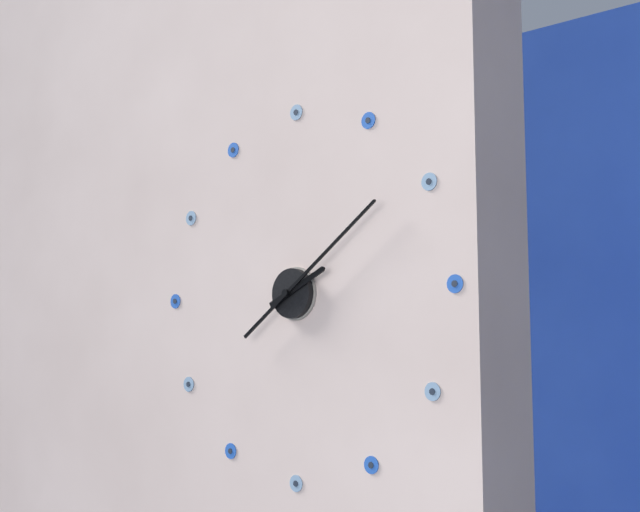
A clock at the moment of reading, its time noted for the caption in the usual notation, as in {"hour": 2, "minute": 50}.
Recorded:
{"hour": 2, "minute": 9}
